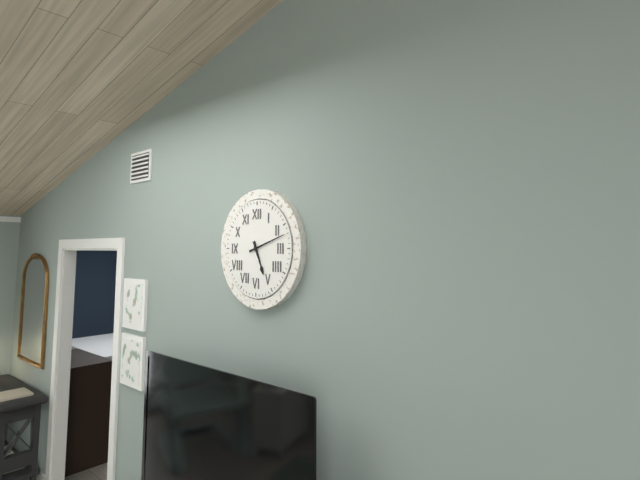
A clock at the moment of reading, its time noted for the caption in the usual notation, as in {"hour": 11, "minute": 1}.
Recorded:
{"hour": 5, "minute": 12}
